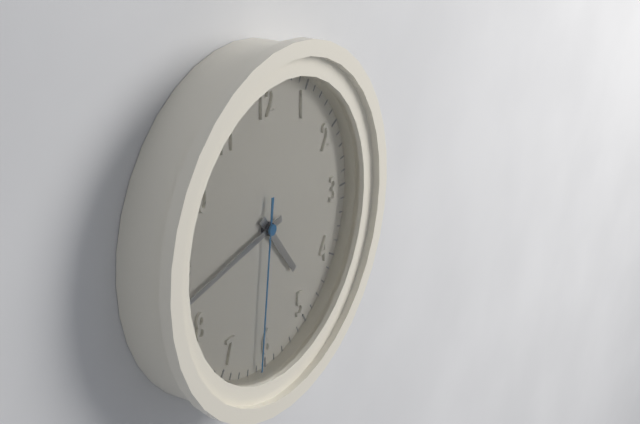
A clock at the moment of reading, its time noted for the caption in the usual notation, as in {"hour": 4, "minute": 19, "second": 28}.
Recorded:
{"hour": 4, "minute": 43, "second": 31}
